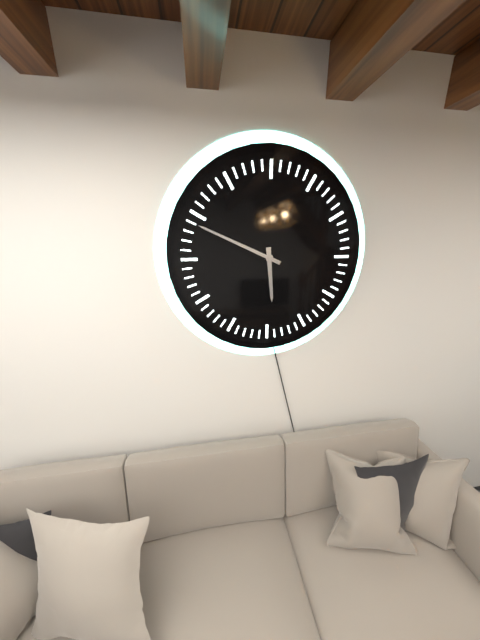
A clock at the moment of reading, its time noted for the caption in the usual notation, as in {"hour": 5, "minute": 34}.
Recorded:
{"hour": 5, "minute": 49}
